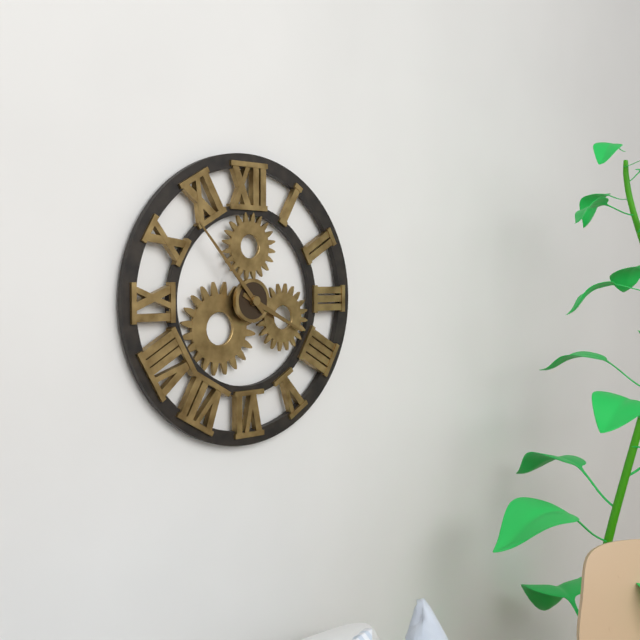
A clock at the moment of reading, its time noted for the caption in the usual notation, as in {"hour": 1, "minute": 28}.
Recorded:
{"hour": 3, "minute": 53}
